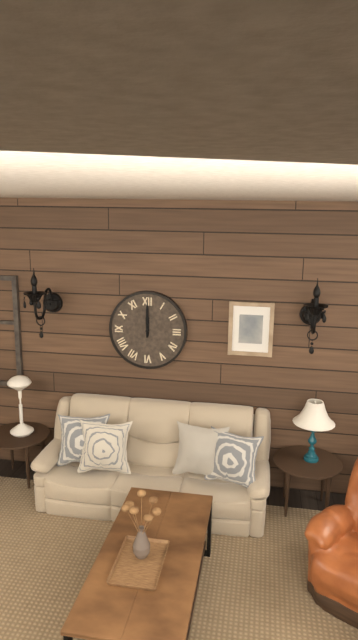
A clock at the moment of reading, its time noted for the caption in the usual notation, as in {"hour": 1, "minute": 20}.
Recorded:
{"hour": 12, "minute": 0}
